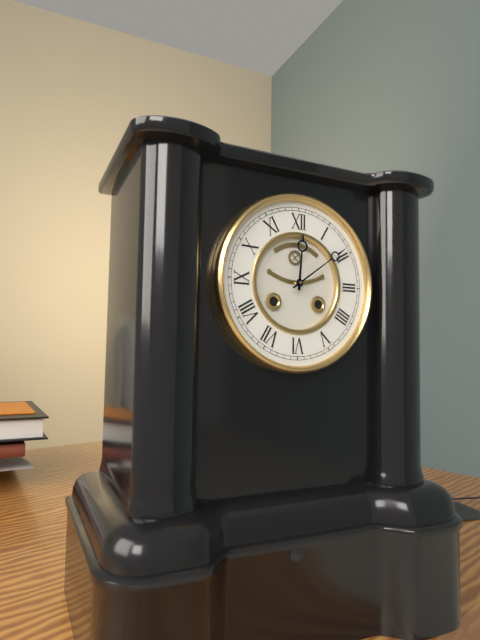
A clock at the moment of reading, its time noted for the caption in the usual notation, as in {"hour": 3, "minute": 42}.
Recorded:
{"hour": 12, "minute": 9}
